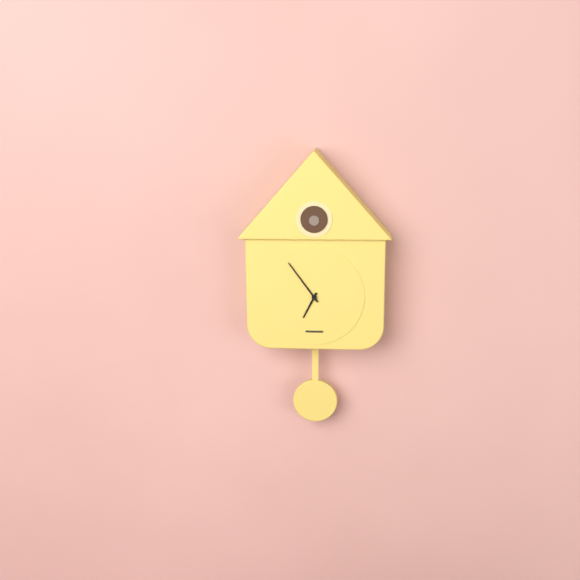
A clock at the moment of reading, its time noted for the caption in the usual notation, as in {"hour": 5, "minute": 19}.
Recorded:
{"hour": 6, "minute": 54}
